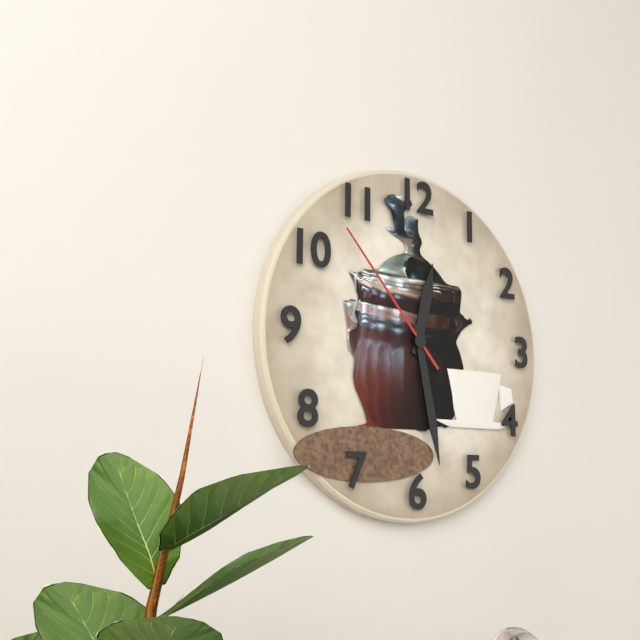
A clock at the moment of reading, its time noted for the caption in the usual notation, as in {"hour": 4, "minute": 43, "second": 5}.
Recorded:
{"hour": 12, "minute": 28, "second": 53}
